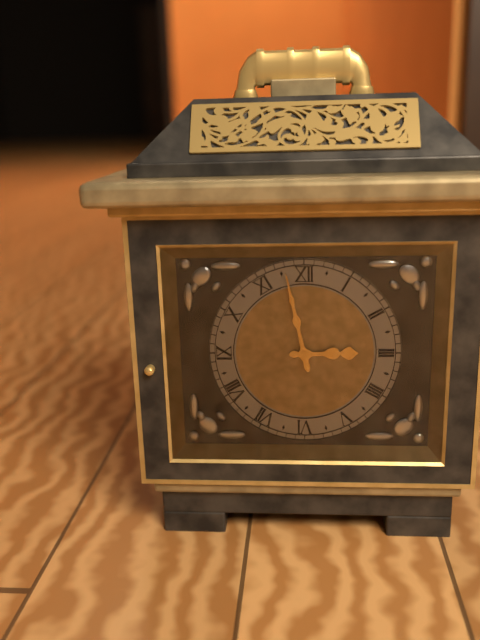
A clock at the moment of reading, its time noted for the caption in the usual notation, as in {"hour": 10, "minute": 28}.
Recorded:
{"hour": 2, "minute": 58}
